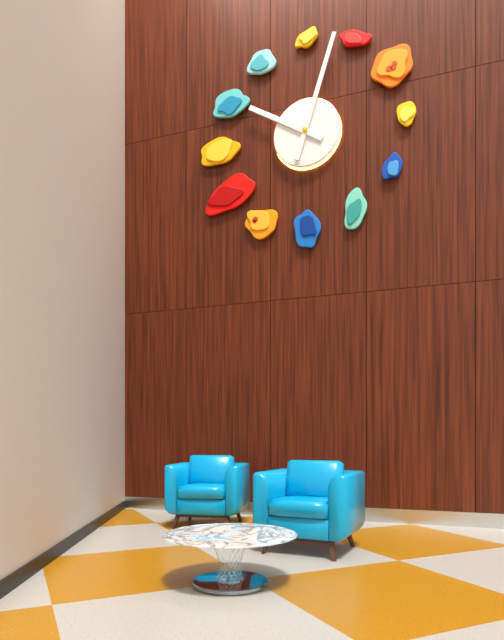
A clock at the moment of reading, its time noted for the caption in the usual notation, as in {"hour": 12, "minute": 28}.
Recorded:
{"hour": 10, "minute": 3}
